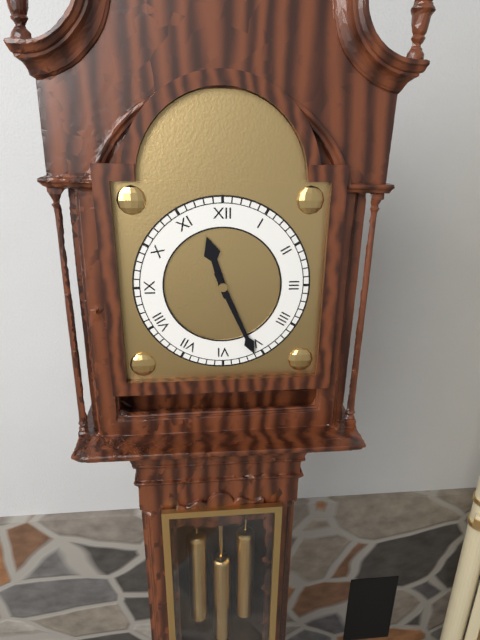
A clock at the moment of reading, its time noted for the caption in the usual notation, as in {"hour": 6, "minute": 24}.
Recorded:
{"hour": 11, "minute": 26}
